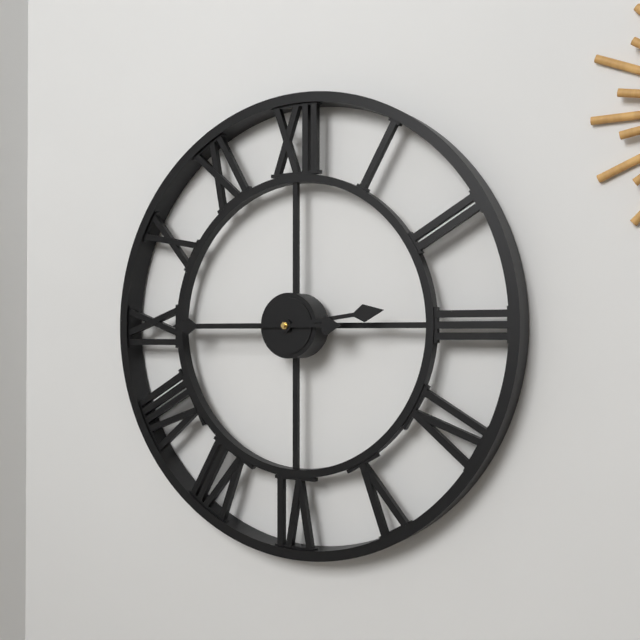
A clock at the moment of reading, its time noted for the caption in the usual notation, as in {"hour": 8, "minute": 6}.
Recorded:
{"hour": 2, "minute": 45}
